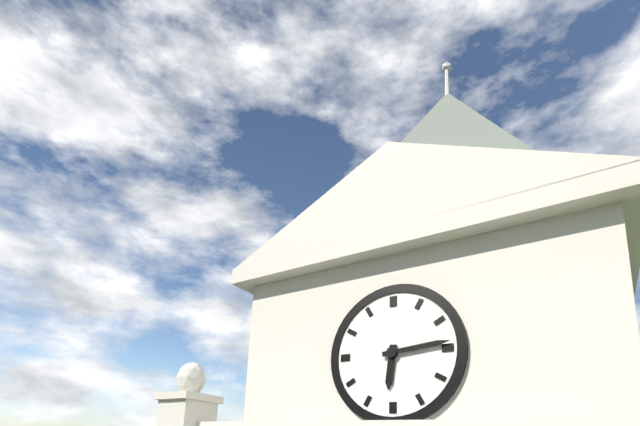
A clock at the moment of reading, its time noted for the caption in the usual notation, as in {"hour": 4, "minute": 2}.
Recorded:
{"hour": 6, "minute": 14}
